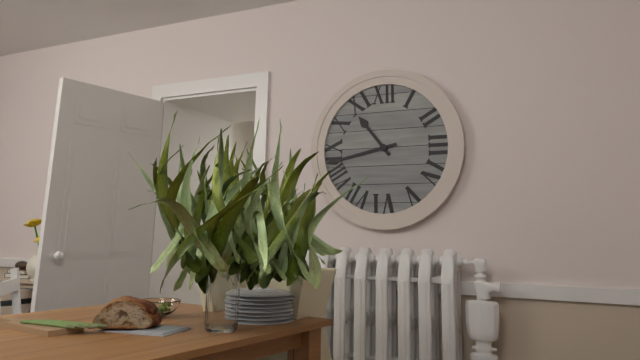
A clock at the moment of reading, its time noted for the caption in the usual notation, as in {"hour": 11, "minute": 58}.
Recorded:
{"hour": 10, "minute": 43}
